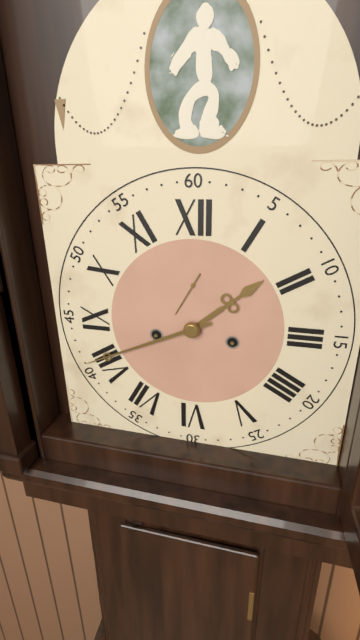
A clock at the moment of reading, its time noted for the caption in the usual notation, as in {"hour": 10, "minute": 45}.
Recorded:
{"hour": 1, "minute": 41}
